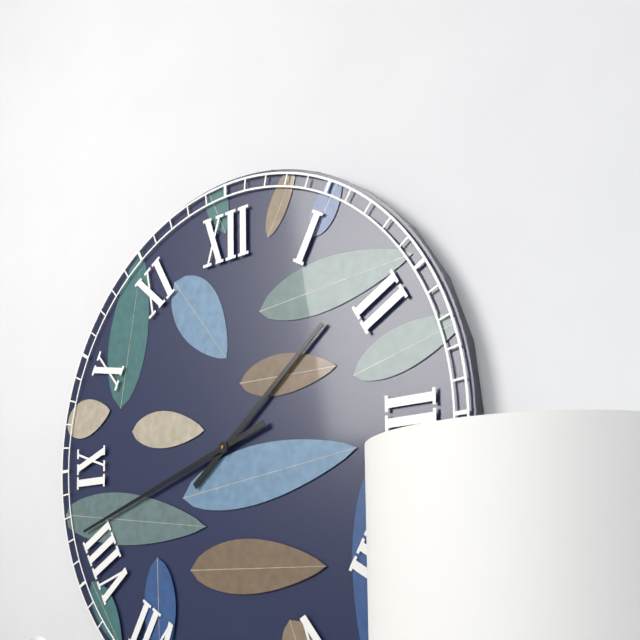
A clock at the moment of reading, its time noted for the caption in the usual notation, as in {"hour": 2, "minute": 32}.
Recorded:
{"hour": 1, "minute": 42}
